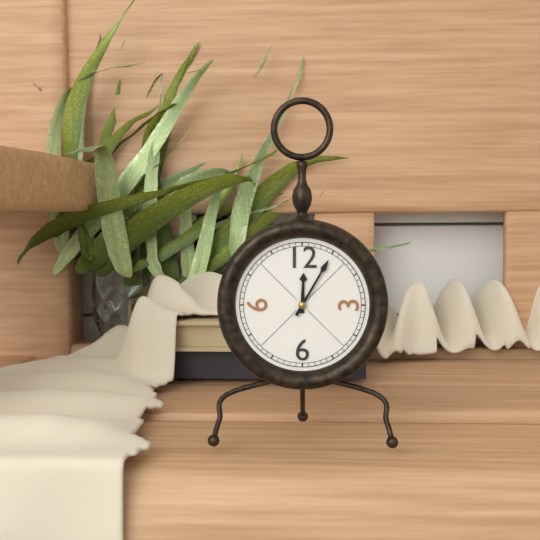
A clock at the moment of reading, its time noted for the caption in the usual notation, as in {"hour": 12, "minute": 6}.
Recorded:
{"hour": 12, "minute": 5}
